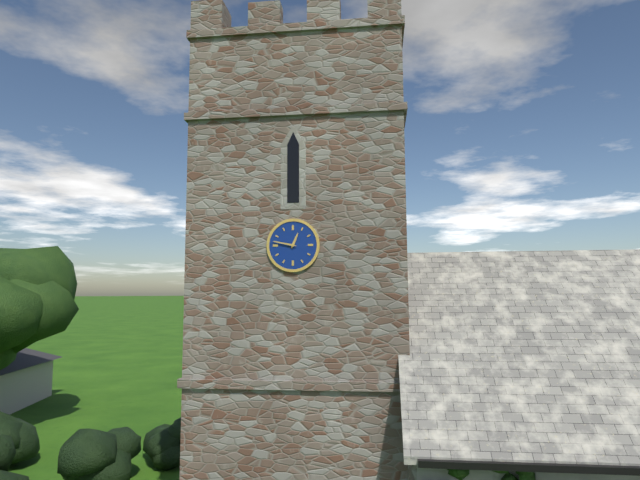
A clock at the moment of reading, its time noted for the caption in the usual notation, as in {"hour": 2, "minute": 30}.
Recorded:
{"hour": 12, "minute": 47}
